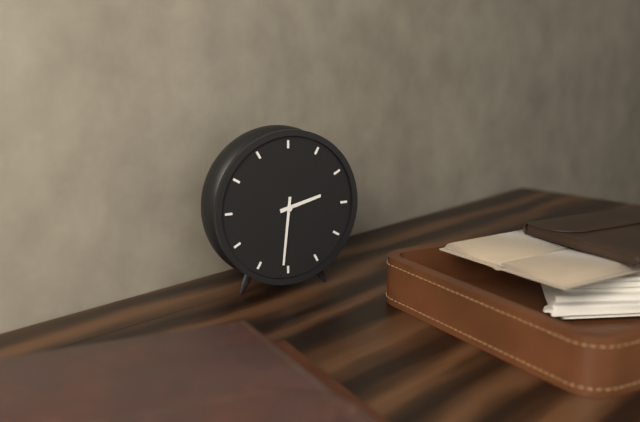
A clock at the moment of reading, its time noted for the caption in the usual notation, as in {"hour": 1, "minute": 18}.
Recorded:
{"hour": 2, "minute": 31}
